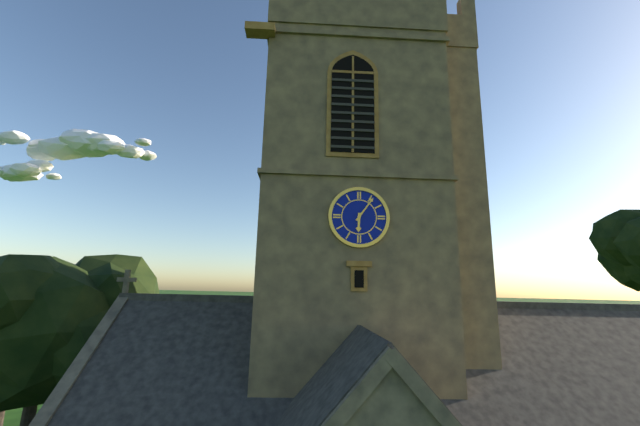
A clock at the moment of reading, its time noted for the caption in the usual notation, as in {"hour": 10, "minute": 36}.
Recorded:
{"hour": 6, "minute": 6}
